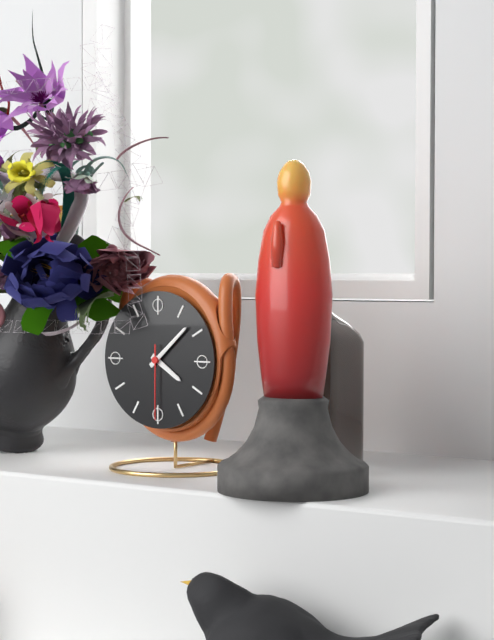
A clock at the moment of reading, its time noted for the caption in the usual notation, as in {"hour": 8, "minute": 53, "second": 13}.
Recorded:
{"hour": 4, "minute": 8, "second": 30}
